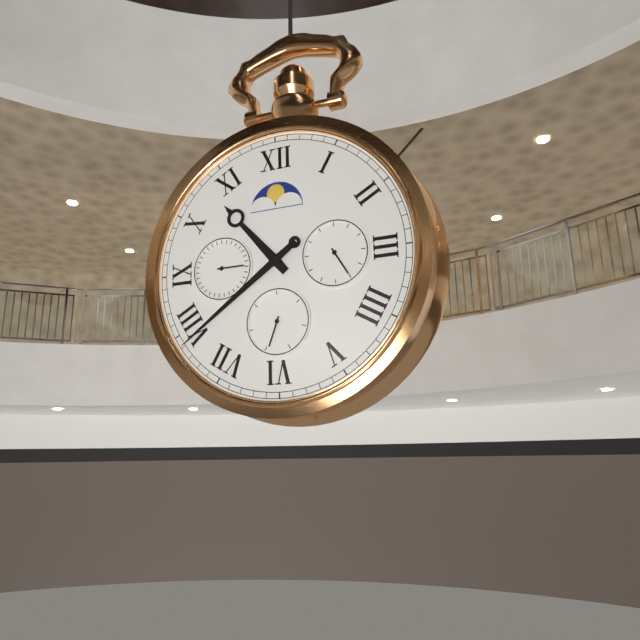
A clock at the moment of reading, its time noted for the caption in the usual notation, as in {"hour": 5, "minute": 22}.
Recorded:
{"hour": 10, "minute": 39}
